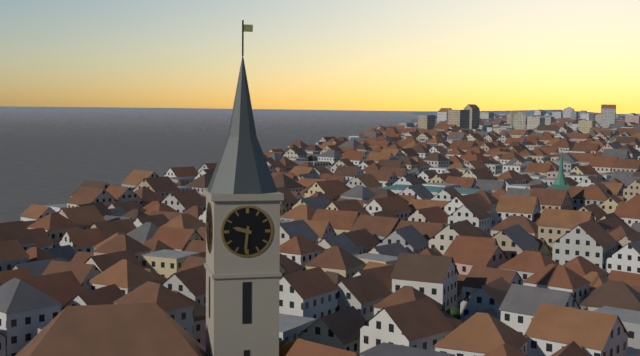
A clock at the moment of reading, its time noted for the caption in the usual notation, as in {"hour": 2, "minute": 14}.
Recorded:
{"hour": 9, "minute": 31}
